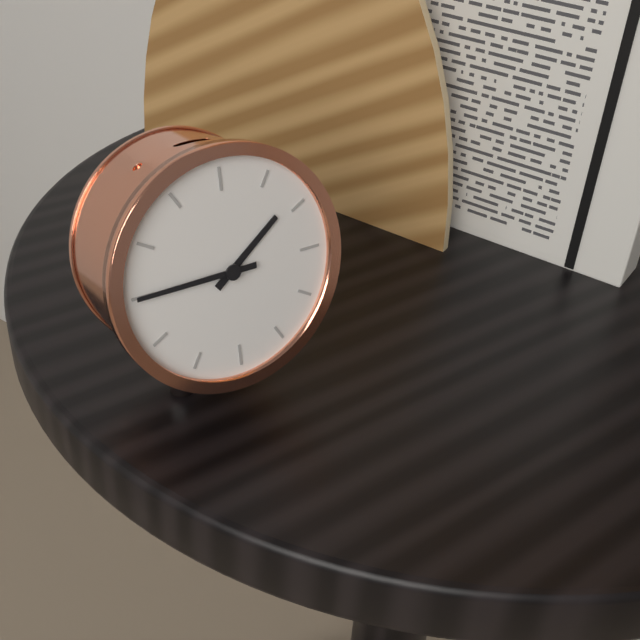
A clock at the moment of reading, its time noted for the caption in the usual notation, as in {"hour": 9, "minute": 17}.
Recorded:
{"hour": 1, "minute": 45}
